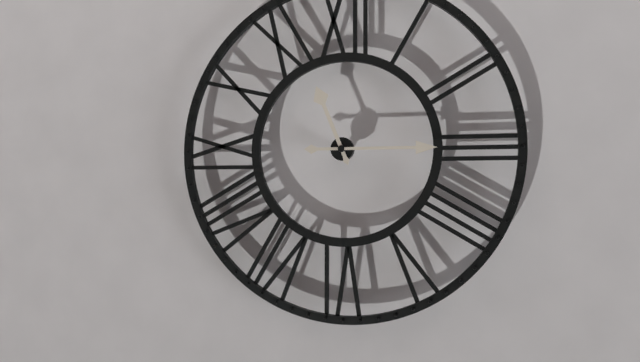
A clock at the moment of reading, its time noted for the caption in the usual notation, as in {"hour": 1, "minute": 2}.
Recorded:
{"hour": 11, "minute": 15}
